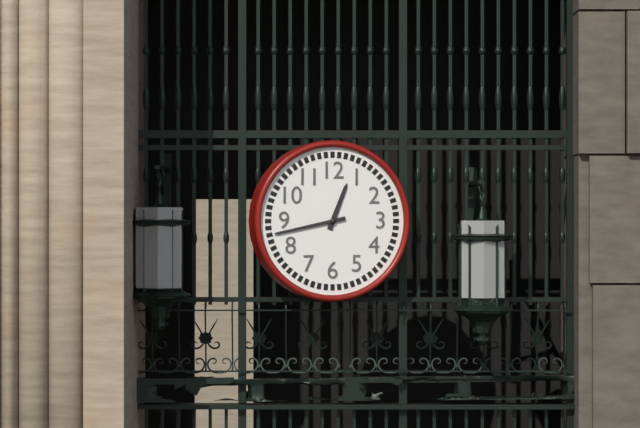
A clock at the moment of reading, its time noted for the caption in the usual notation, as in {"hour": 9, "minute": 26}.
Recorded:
{"hour": 12, "minute": 43}
